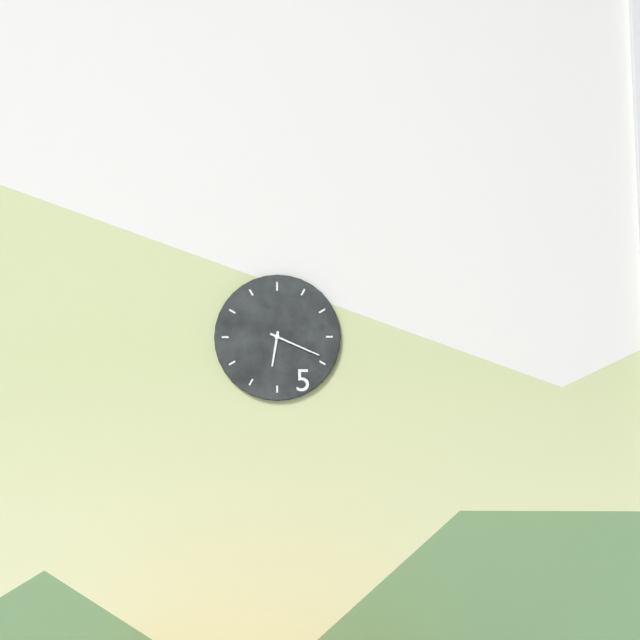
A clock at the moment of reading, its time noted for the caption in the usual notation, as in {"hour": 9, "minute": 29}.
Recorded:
{"hour": 6, "minute": 19}
